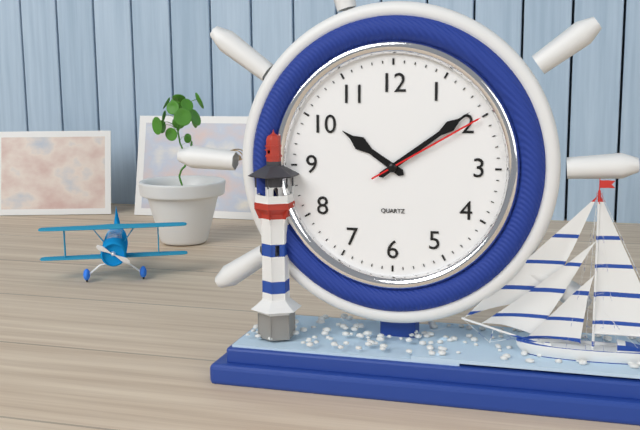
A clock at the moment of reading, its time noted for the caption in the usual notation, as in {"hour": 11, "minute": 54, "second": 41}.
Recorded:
{"hour": 10, "minute": 9, "second": 10}
